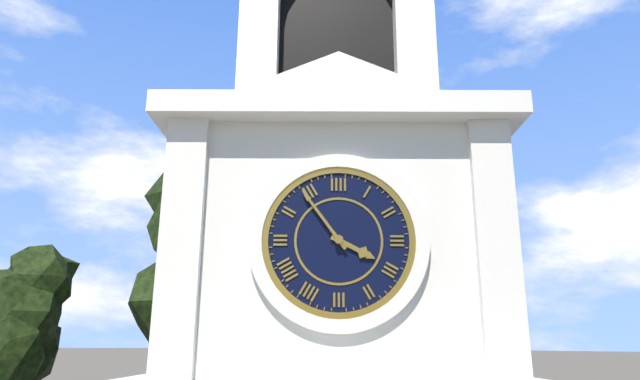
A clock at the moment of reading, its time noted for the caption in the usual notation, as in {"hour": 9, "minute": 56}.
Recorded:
{"hour": 3, "minute": 54}
